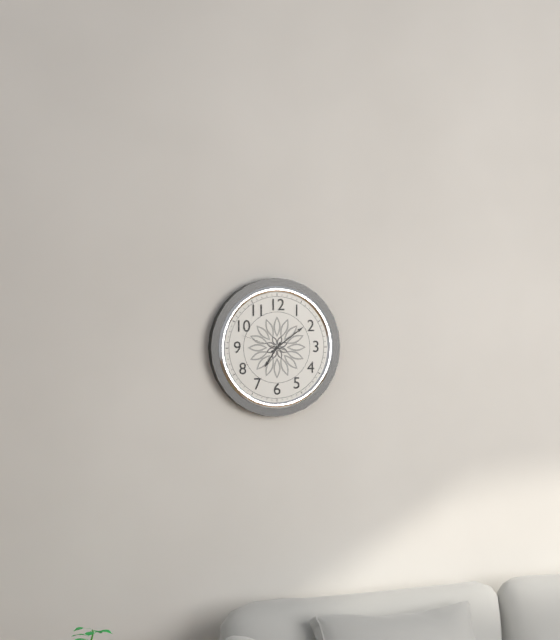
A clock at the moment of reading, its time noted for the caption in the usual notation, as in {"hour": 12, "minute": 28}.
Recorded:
{"hour": 7, "minute": 9}
